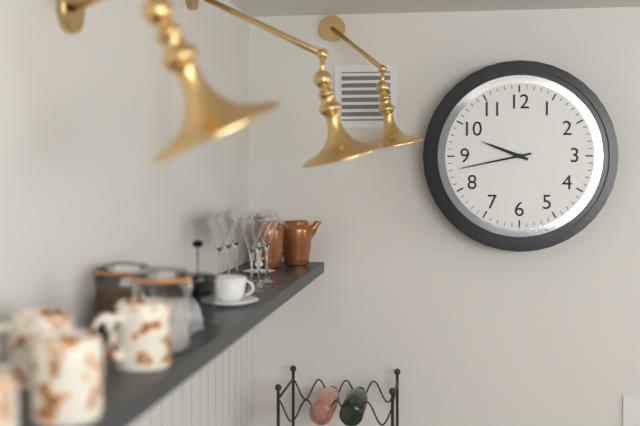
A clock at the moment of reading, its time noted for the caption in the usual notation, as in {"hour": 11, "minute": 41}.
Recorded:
{"hour": 9, "minute": 43}
